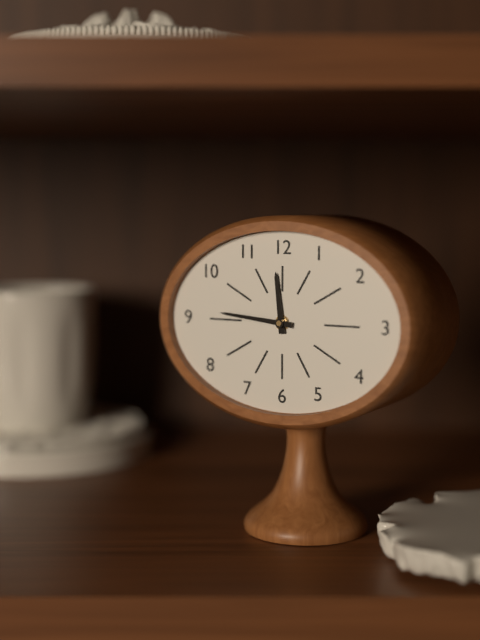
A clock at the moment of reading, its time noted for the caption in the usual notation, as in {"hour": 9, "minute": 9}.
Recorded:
{"hour": 11, "minute": 46}
